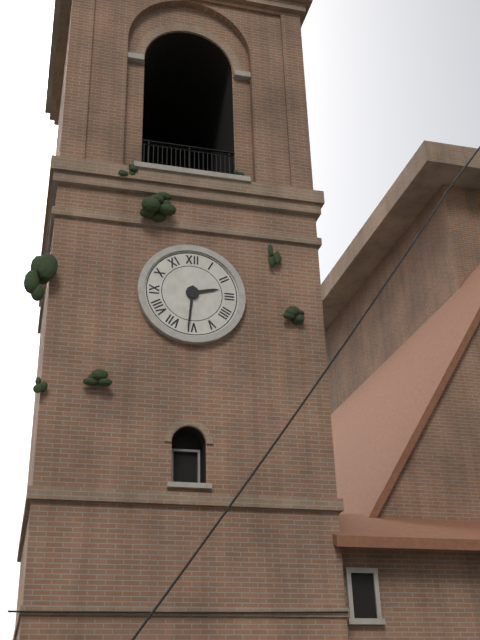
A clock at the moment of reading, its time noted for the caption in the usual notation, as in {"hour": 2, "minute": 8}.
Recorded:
{"hour": 2, "minute": 31}
